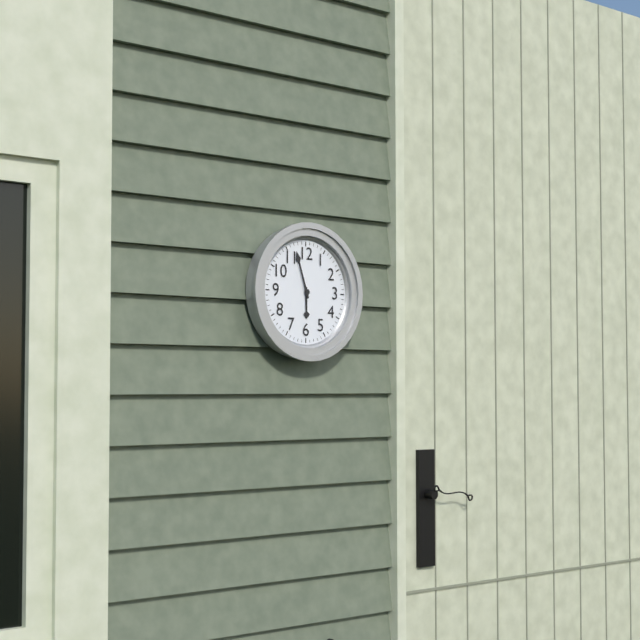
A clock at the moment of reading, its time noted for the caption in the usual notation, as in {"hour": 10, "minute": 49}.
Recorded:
{"hour": 5, "minute": 57}
